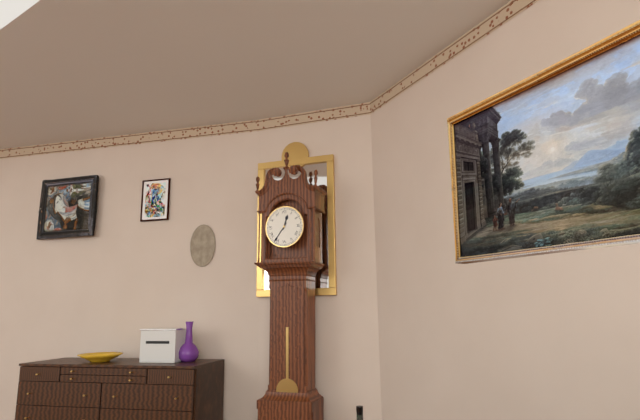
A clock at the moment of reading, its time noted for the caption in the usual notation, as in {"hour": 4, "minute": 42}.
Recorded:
{"hour": 12, "minute": 36}
